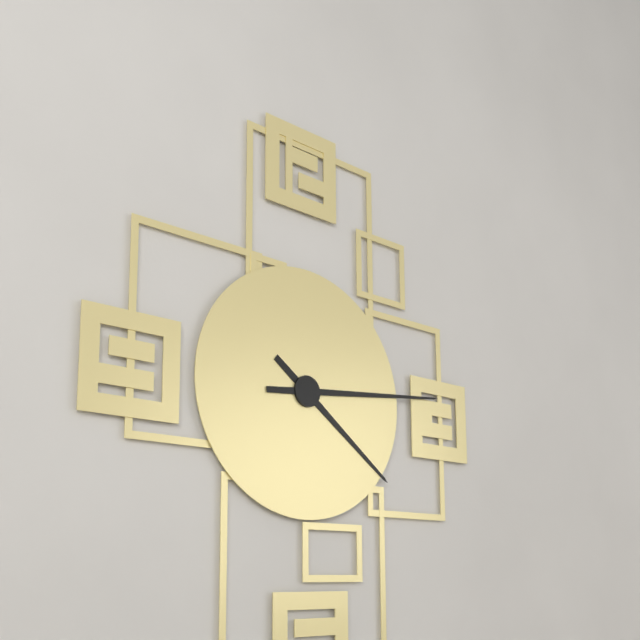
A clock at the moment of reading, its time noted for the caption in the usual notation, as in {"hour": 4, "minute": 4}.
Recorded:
{"hour": 4, "minute": 14}
